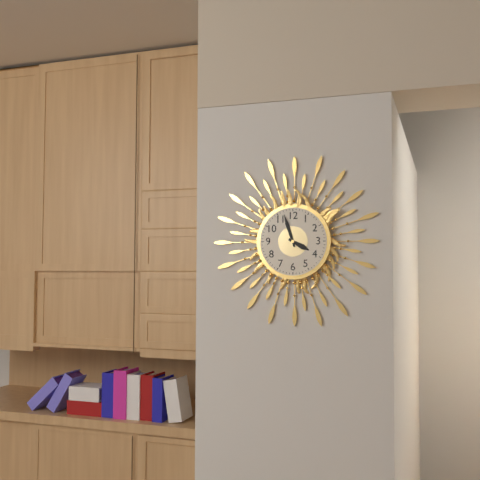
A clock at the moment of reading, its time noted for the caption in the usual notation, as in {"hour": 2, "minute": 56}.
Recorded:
{"hour": 3, "minute": 57}
